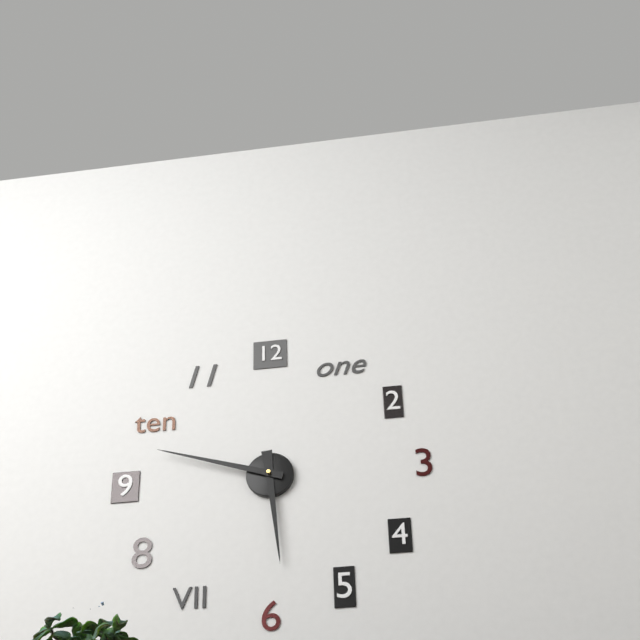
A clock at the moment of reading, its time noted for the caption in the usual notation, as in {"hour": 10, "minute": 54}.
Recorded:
{"hour": 5, "minute": 48}
